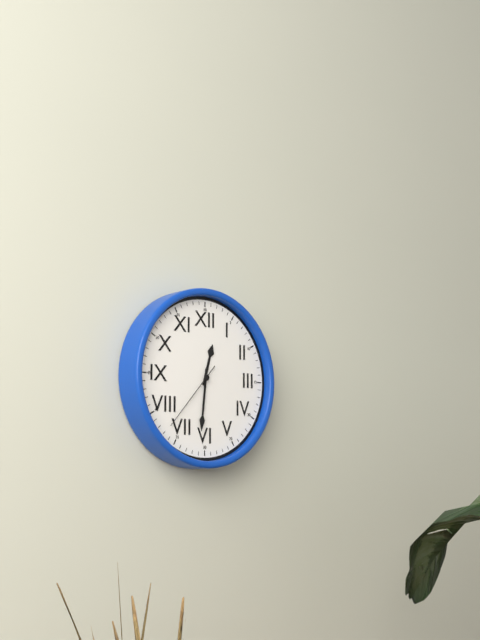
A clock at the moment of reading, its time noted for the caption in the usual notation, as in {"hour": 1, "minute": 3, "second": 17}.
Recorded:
{"hour": 12, "minute": 31, "second": 37}
